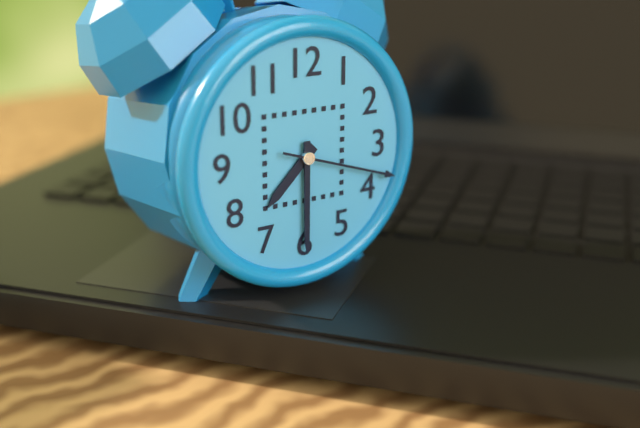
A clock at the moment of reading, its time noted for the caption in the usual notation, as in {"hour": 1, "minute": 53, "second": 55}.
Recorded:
{"hour": 7, "minute": 30, "second": 18}
